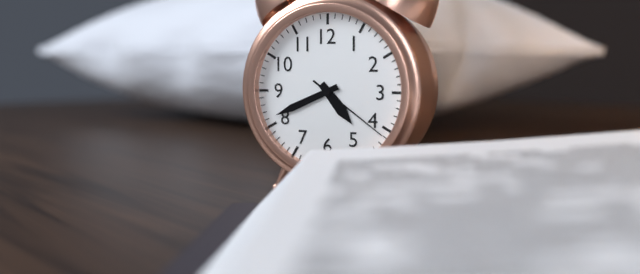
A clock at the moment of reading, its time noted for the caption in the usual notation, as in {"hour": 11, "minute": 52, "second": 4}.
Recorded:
{"hour": 4, "minute": 41, "second": 21}
